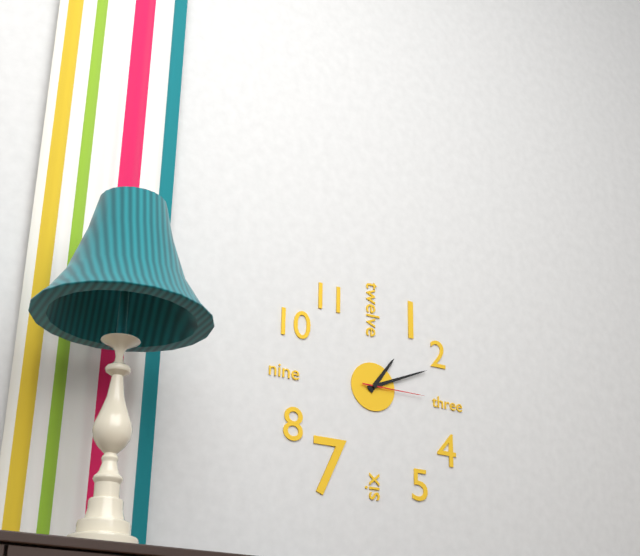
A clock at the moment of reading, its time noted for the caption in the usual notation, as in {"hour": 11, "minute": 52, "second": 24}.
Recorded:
{"hour": 1, "minute": 11, "second": 15}
